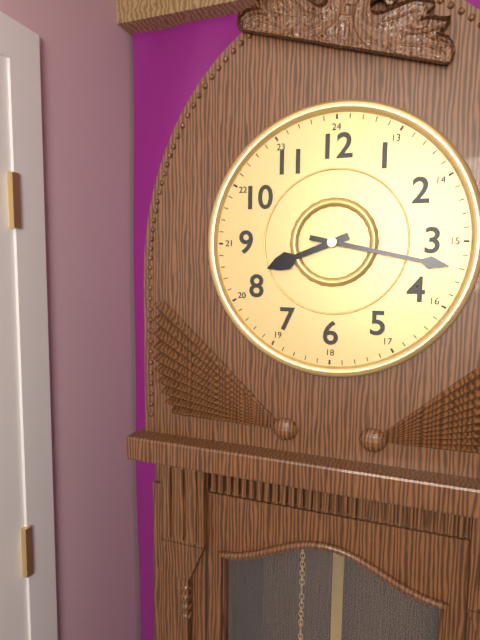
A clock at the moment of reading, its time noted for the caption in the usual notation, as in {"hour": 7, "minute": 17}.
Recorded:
{"hour": 8, "minute": 17}
